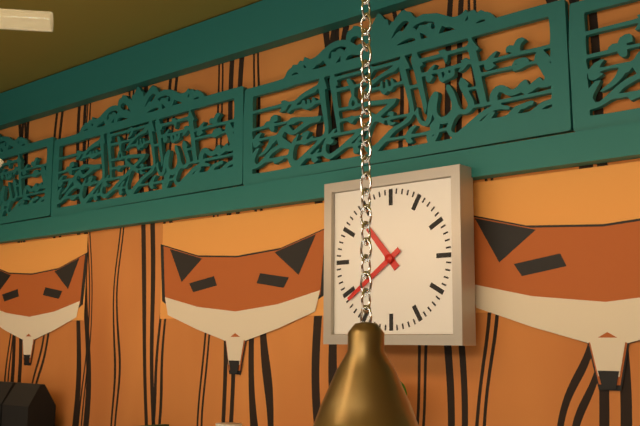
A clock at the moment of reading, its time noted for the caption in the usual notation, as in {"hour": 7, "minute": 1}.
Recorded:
{"hour": 10, "minute": 39}
